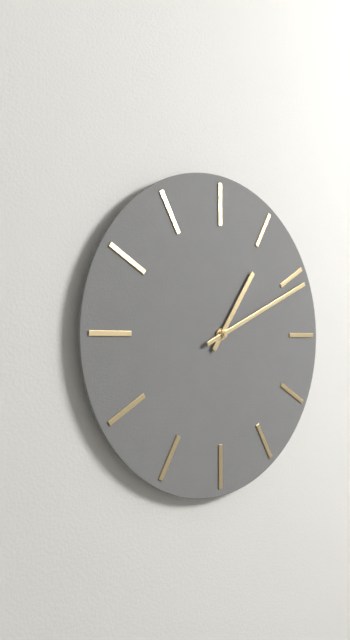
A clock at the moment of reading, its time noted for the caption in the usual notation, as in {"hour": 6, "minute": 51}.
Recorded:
{"hour": 1, "minute": 11}
